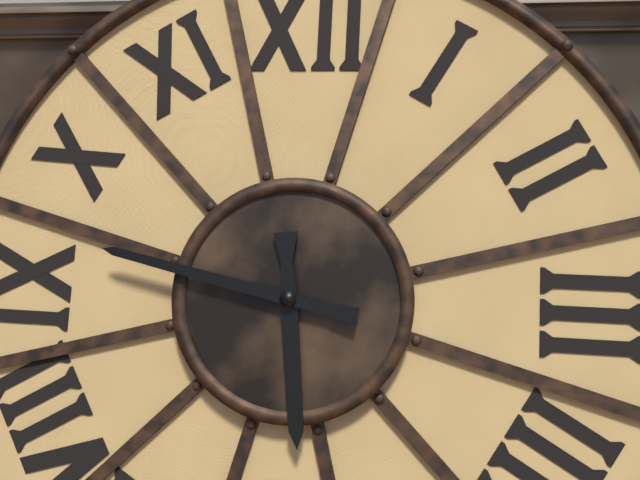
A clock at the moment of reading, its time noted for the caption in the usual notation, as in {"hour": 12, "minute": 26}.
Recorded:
{"hour": 5, "minute": 47}
